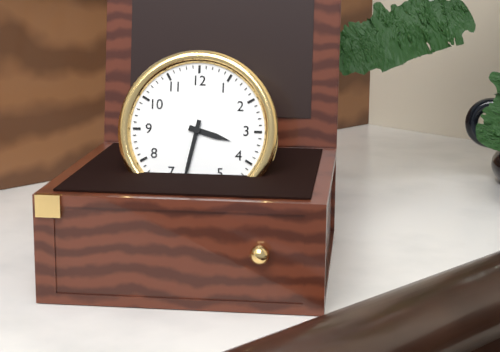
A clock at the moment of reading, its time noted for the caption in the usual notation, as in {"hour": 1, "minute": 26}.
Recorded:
{"hour": 3, "minute": 32}
